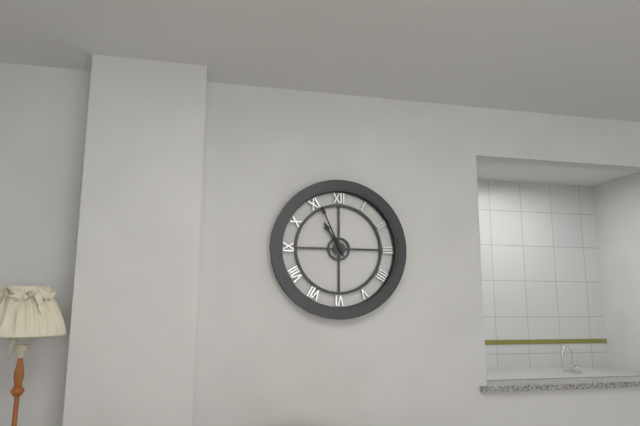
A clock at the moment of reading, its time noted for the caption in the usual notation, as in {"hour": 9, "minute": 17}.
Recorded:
{"hour": 10, "minute": 56}
